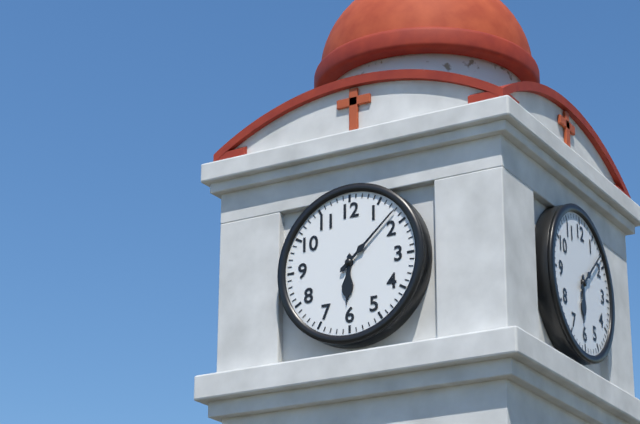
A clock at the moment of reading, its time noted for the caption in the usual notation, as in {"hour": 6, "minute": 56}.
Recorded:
{"hour": 6, "minute": 8}
